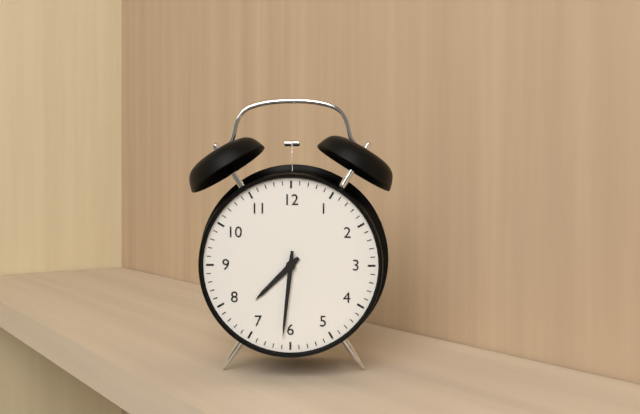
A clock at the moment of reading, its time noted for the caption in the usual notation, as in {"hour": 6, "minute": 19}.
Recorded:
{"hour": 7, "minute": 31}
